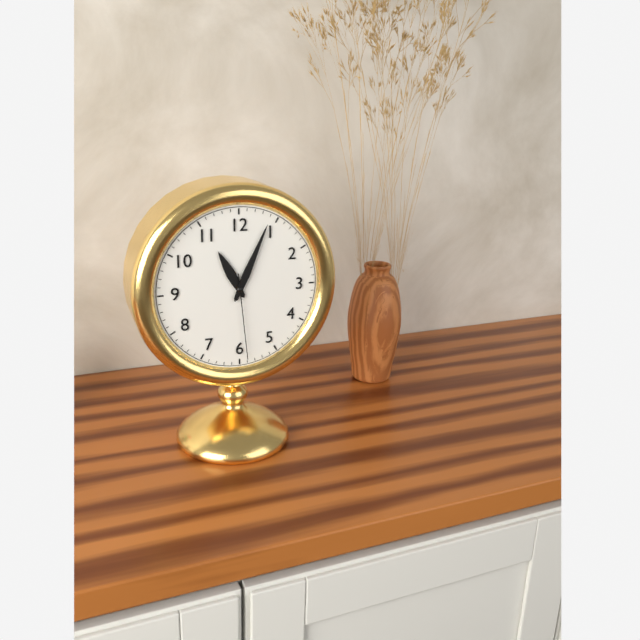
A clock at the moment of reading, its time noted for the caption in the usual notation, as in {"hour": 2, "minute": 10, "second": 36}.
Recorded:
{"hour": 11, "minute": 4, "second": 29}
